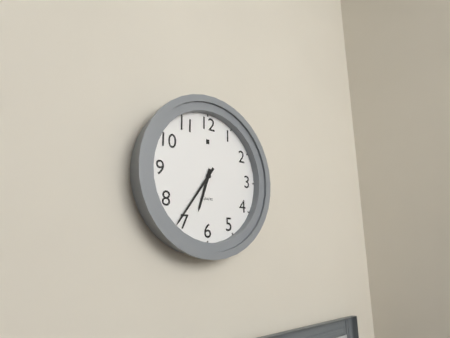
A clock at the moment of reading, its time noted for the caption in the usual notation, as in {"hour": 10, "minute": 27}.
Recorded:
{"hour": 6, "minute": 36}
